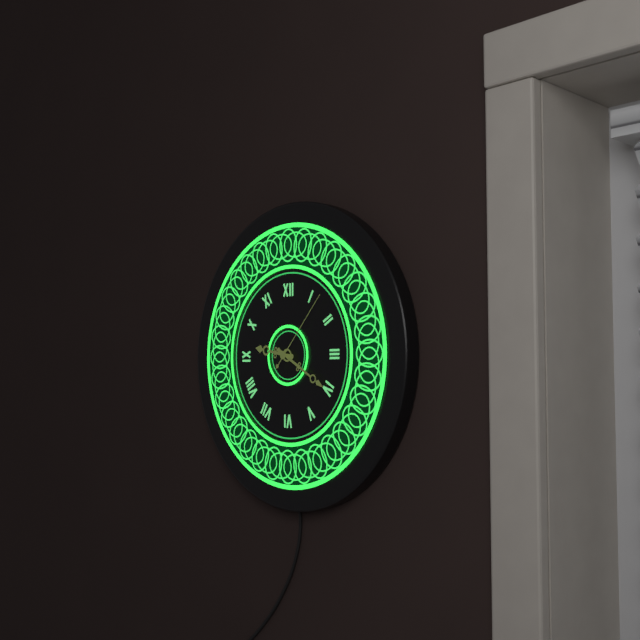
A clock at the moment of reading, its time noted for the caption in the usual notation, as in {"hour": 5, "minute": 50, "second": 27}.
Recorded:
{"hour": 9, "minute": 20, "second": 7}
